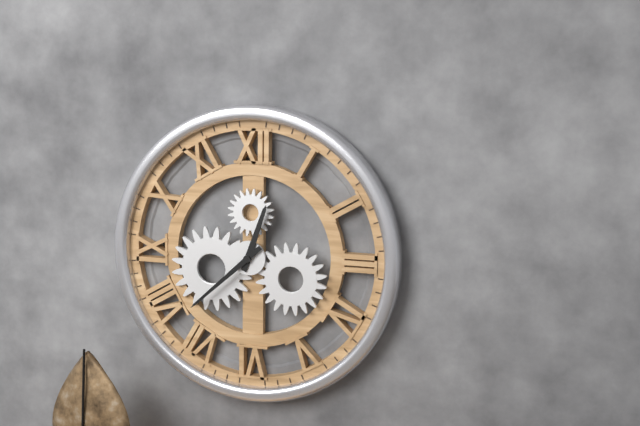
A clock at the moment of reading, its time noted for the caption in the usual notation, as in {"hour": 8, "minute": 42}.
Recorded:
{"hour": 12, "minute": 38}
